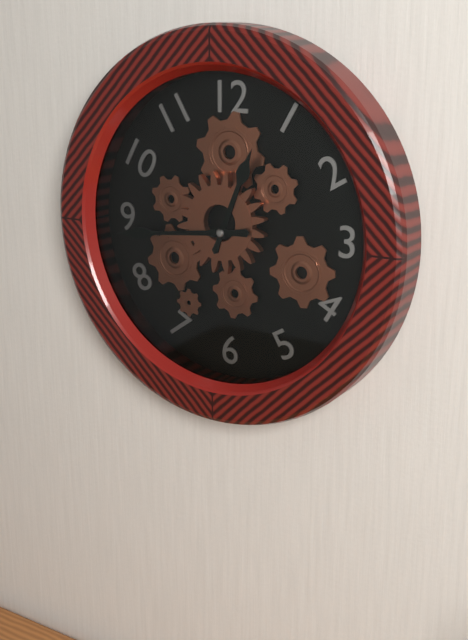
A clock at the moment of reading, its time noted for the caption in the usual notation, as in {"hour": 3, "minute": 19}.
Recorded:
{"hour": 12, "minute": 44}
